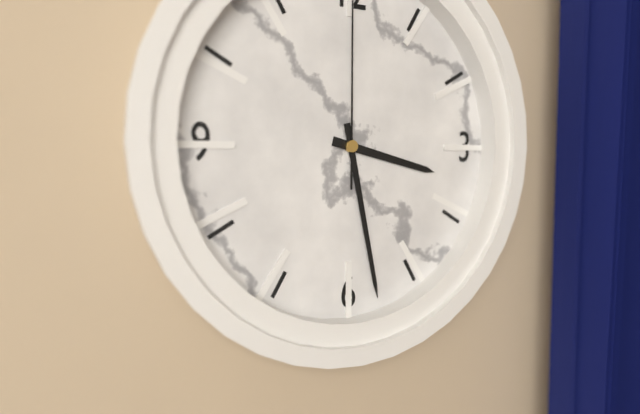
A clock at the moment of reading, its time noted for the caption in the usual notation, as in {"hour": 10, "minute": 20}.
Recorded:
{"hour": 3, "minute": 28}
